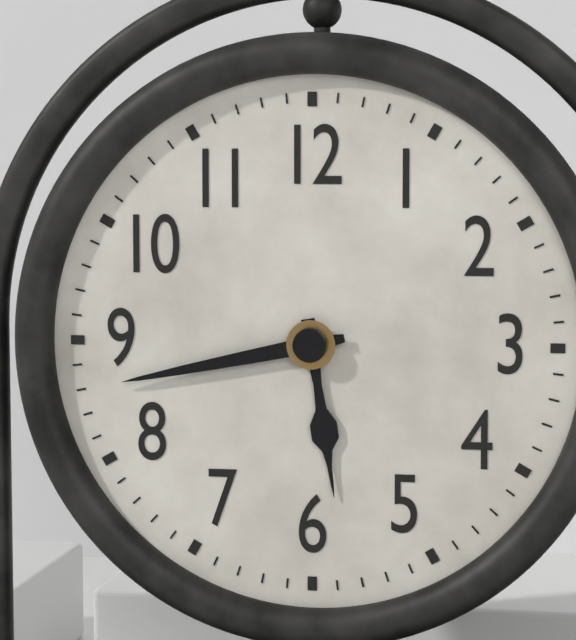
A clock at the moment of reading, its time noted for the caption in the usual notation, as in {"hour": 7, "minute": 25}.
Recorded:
{"hour": 5, "minute": 43}
